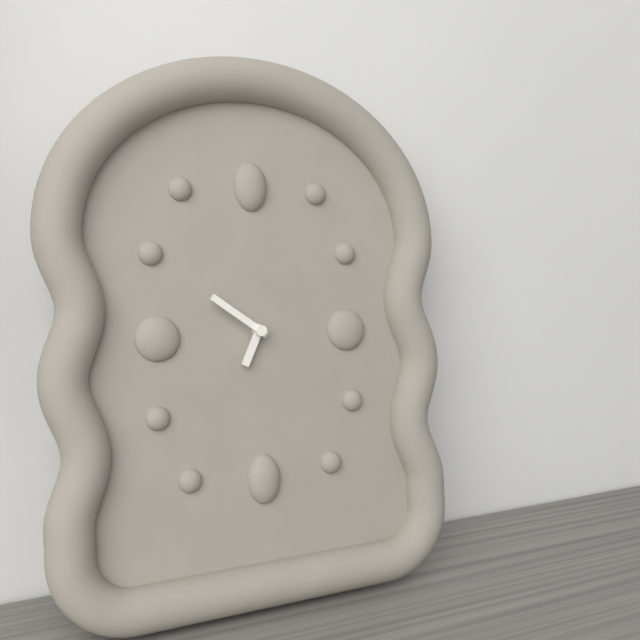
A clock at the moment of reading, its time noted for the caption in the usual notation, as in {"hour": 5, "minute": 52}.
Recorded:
{"hour": 6, "minute": 51}
